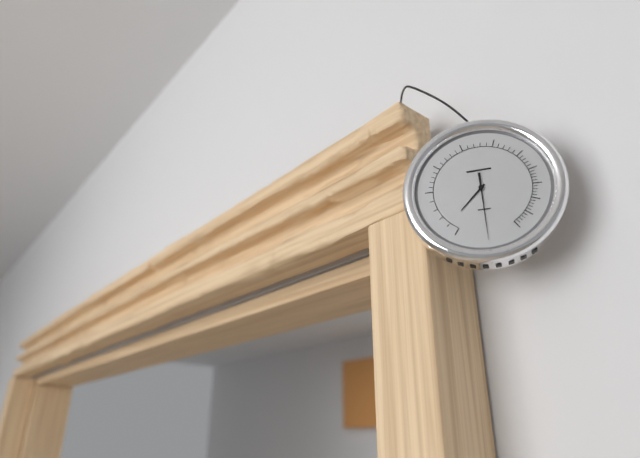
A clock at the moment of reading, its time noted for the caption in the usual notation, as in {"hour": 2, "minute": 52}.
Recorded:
{"hour": 7, "minute": 30}
